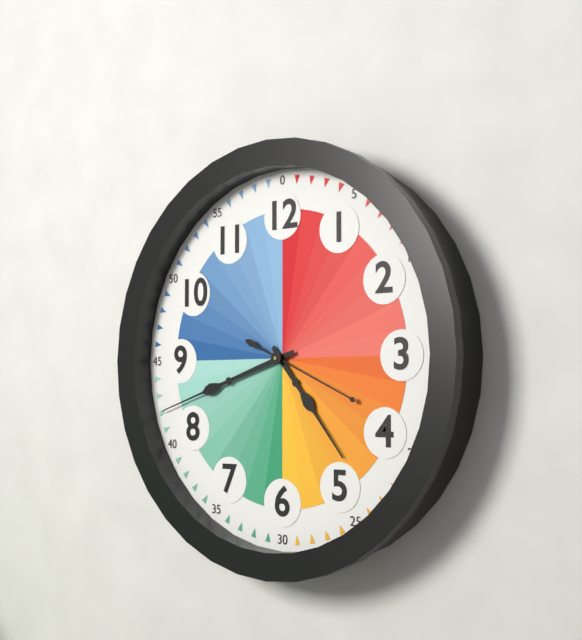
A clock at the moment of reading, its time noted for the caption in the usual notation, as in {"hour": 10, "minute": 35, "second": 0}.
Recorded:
{"hour": 4, "minute": 42, "second": 19}
